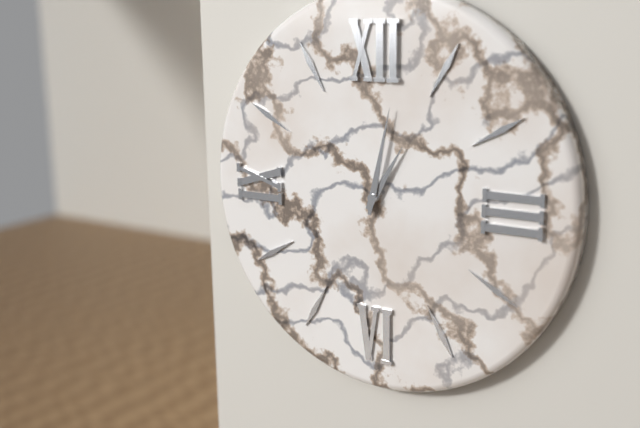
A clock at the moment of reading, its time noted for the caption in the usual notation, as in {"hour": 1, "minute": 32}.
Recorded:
{"hour": 1, "minute": 2}
